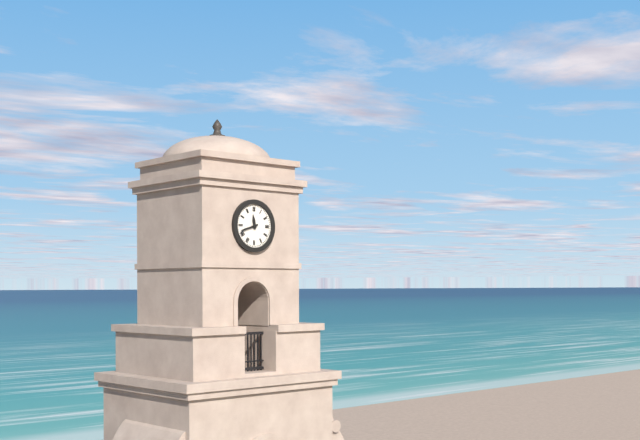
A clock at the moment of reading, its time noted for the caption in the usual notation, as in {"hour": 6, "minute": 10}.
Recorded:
{"hour": 11, "minute": 42}
